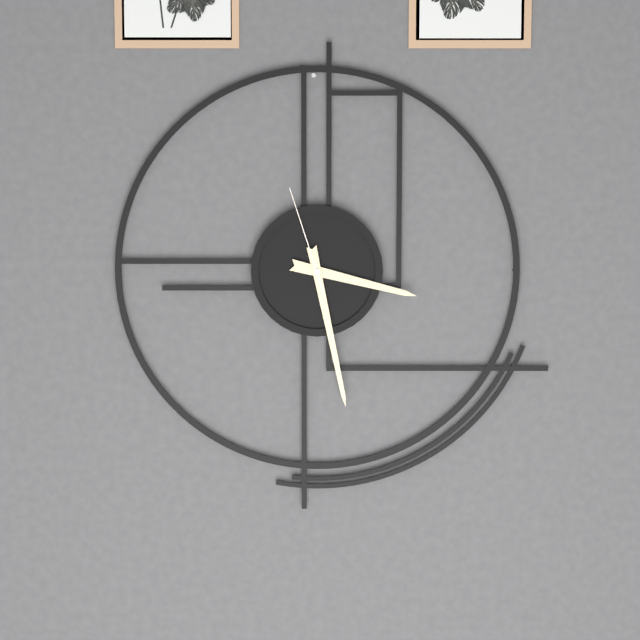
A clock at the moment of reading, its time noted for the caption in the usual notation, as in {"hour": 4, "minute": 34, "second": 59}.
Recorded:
{"hour": 3, "minute": 28, "second": 57}
